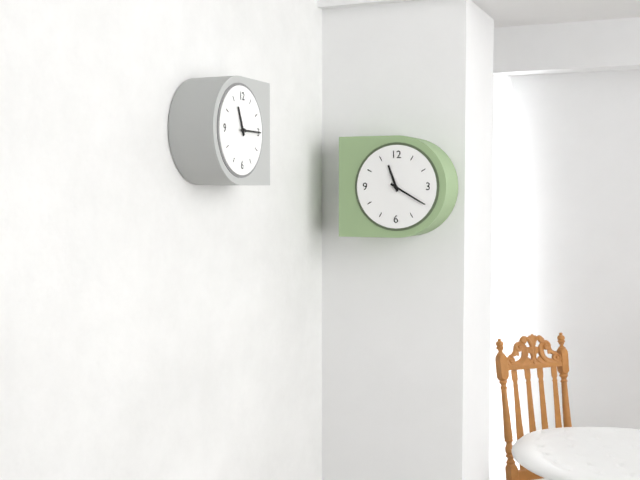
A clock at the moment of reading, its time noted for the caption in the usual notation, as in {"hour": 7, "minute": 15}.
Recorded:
{"hour": 11, "minute": 20}
